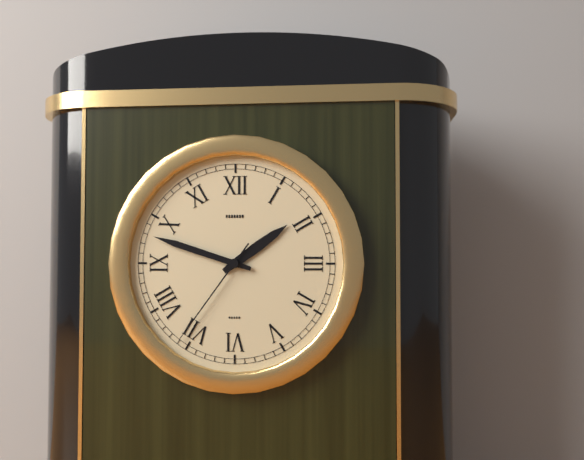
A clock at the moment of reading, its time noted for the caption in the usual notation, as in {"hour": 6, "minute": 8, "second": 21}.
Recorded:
{"hour": 1, "minute": 48, "second": 36}
